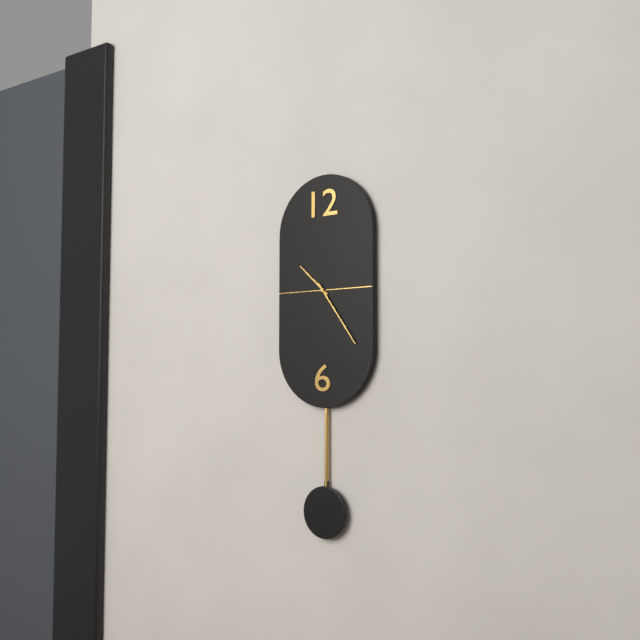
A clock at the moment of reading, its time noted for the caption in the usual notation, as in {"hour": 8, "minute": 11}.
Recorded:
{"hour": 10, "minute": 24}
